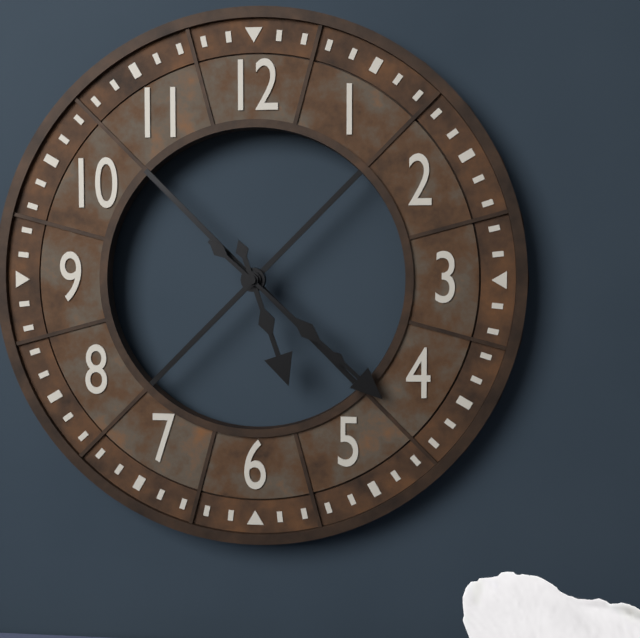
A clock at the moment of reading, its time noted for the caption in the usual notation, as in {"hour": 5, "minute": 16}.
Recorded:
{"hour": 5, "minute": 22}
